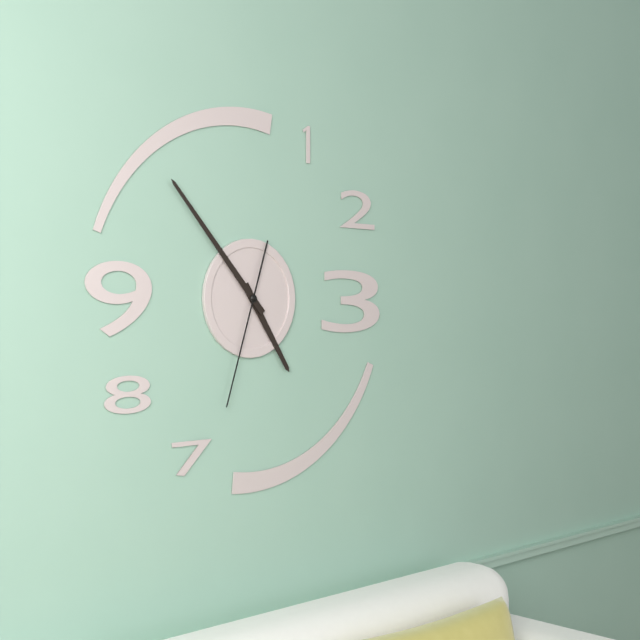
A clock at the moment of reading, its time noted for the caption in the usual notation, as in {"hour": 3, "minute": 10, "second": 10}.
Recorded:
{"hour": 4, "minute": 53, "second": 33}
